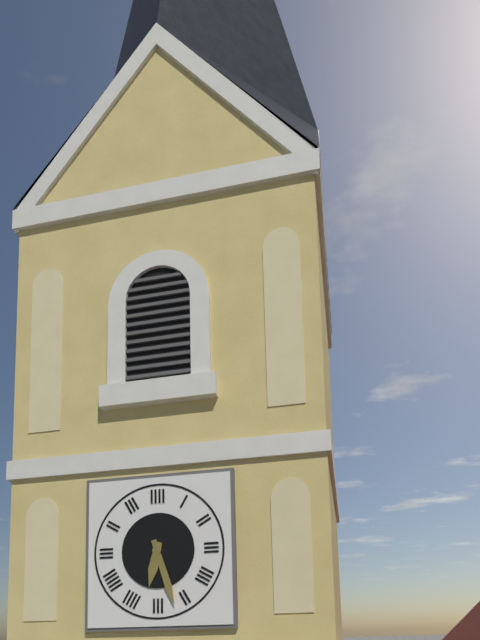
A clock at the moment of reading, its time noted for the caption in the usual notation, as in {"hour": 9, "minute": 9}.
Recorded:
{"hour": 6, "minute": 27}
